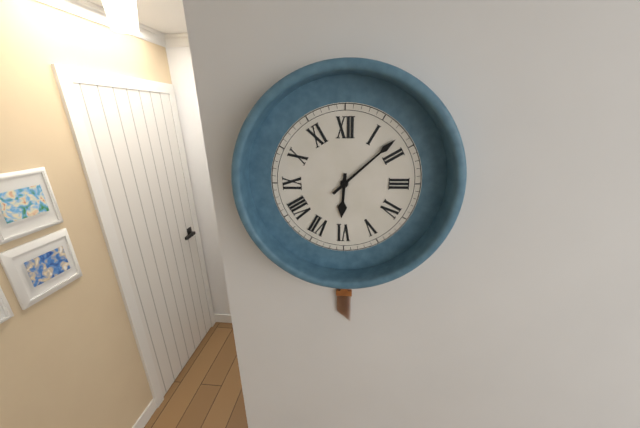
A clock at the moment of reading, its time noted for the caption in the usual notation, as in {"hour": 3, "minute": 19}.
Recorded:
{"hour": 6, "minute": 8}
